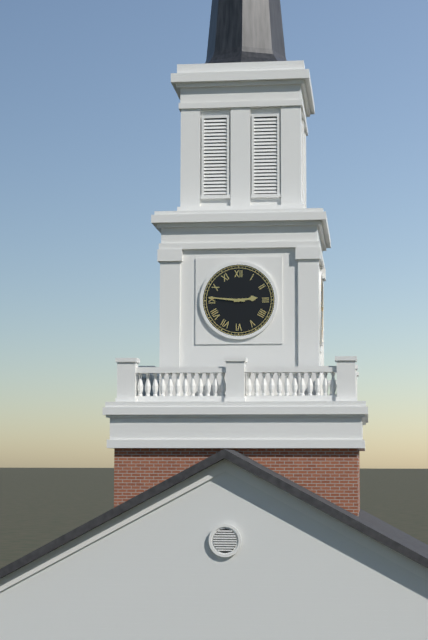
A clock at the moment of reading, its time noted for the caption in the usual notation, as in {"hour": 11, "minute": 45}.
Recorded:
{"hour": 2, "minute": 46}
